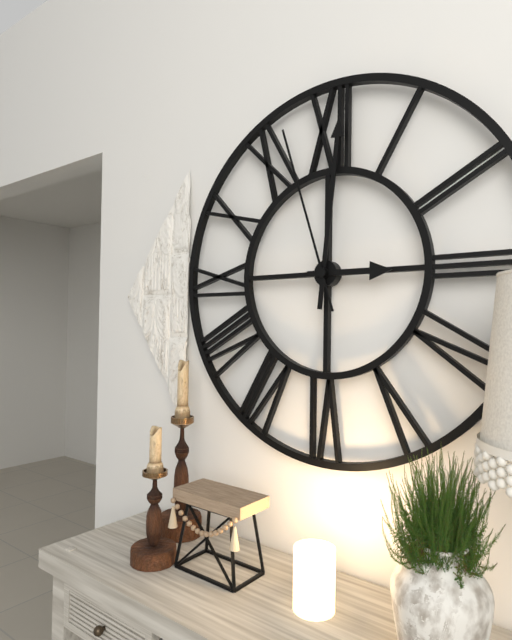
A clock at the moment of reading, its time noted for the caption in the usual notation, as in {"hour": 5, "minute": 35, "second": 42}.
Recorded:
{"hour": 3, "minute": 1, "second": 57}
